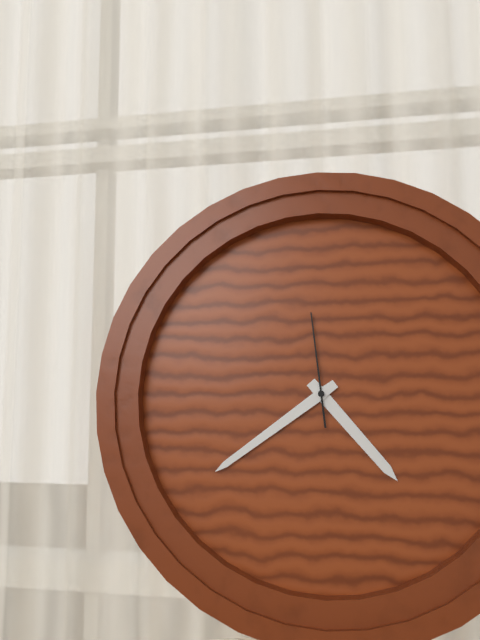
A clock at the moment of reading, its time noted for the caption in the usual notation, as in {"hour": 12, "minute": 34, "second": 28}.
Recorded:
{"hour": 4, "minute": 39, "second": 59}
